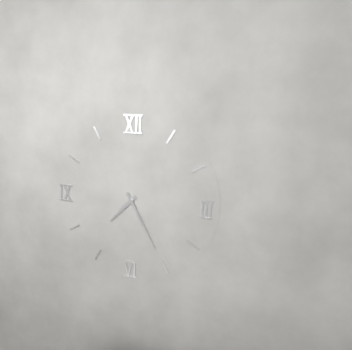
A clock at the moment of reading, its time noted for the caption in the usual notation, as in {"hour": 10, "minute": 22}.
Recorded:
{"hour": 7, "minute": 25}
